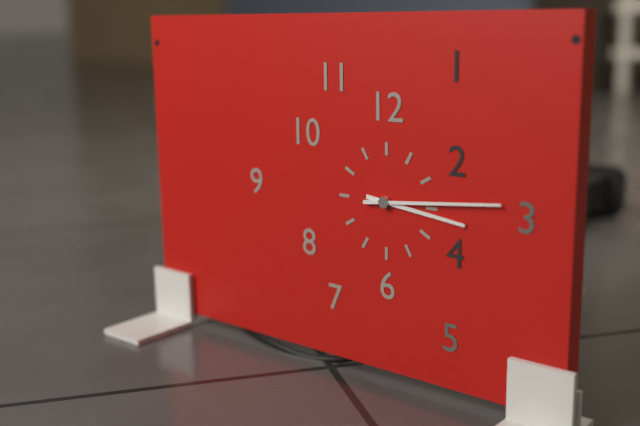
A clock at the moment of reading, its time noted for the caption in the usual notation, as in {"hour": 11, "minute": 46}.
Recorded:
{"hour": 3, "minute": 14}
